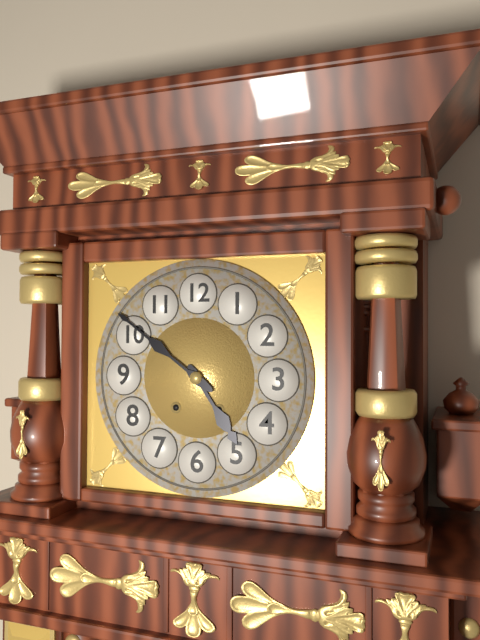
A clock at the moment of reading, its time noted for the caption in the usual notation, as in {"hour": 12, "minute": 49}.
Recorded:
{"hour": 4, "minute": 51}
